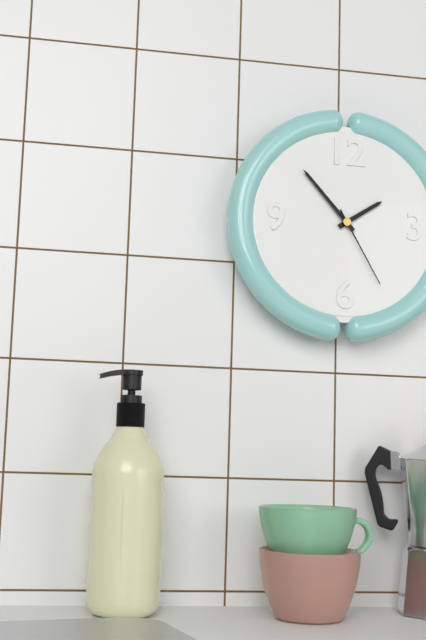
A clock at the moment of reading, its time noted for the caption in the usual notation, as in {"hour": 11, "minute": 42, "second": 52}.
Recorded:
{"hour": 1, "minute": 53, "second": 25}
